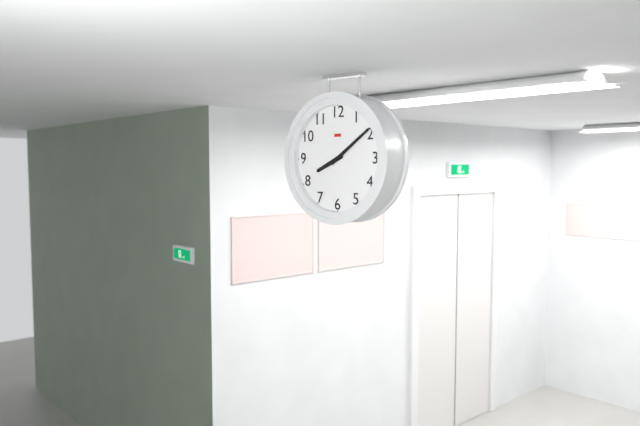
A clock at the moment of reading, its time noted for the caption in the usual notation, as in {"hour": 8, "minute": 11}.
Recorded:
{"hour": 8, "minute": 9}
